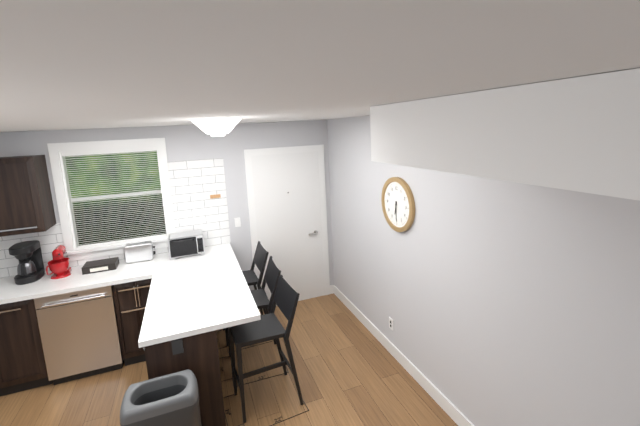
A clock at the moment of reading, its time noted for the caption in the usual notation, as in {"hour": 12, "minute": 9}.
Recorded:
{"hour": 6, "minute": 30}
